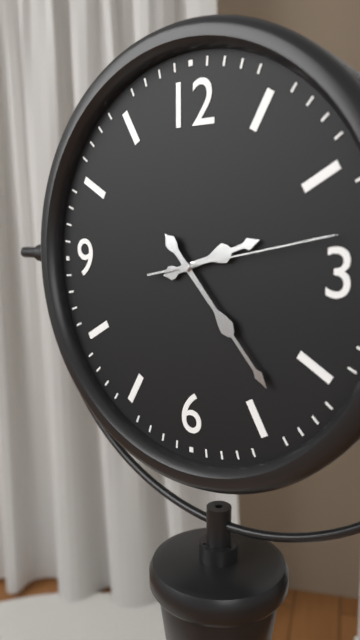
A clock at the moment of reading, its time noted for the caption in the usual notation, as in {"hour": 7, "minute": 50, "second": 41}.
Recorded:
{"hour": 2, "minute": 23, "second": 13}
